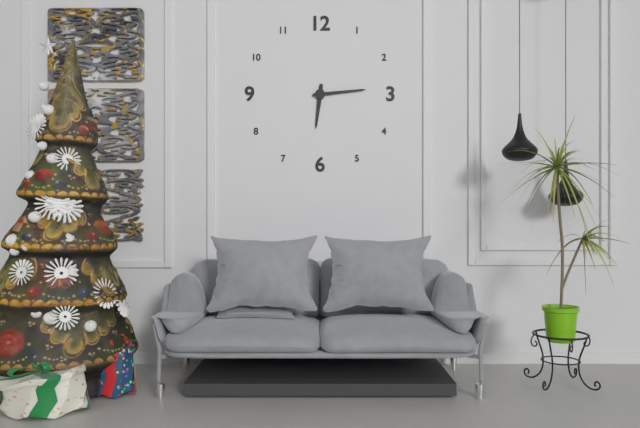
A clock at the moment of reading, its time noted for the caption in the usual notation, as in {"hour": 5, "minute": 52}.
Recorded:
{"hour": 6, "minute": 14}
